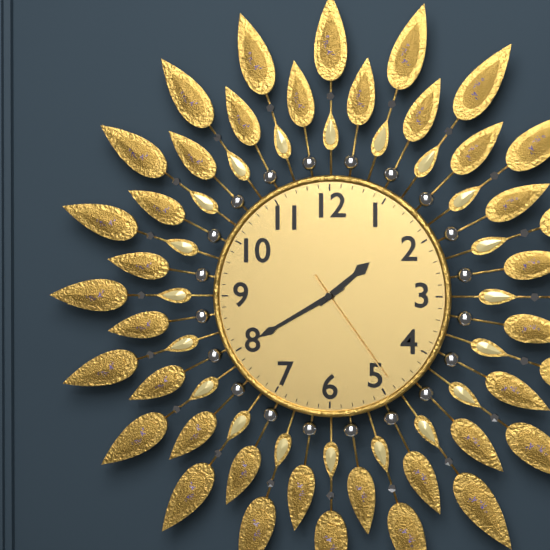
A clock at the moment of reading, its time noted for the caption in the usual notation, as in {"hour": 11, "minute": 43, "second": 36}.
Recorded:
{"hour": 1, "minute": 40, "second": 24}
